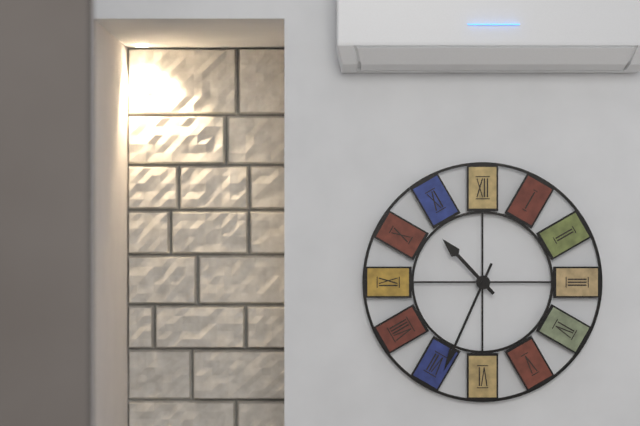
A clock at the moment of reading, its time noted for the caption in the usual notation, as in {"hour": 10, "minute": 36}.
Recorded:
{"hour": 10, "minute": 34}
